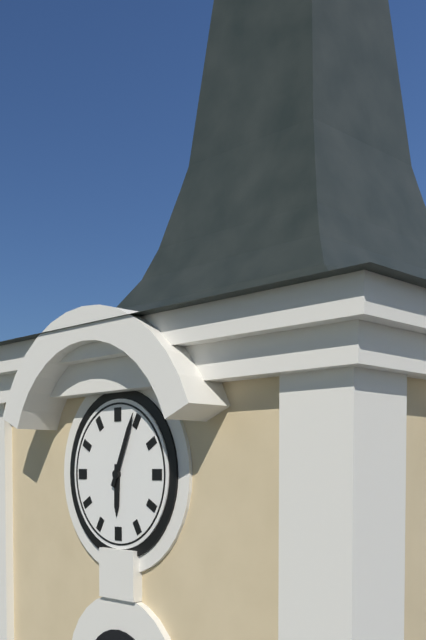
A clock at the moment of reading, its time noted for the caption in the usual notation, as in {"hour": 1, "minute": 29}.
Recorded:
{"hour": 6, "minute": 4}
